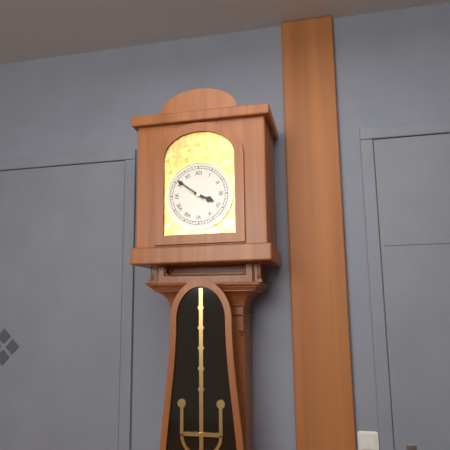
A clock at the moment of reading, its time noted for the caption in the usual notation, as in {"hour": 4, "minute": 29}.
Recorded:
{"hour": 3, "minute": 51}
